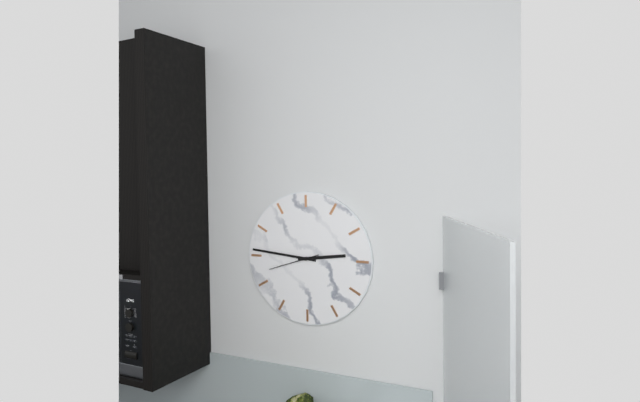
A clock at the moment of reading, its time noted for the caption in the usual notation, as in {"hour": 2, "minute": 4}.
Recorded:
{"hour": 2, "minute": 46}
